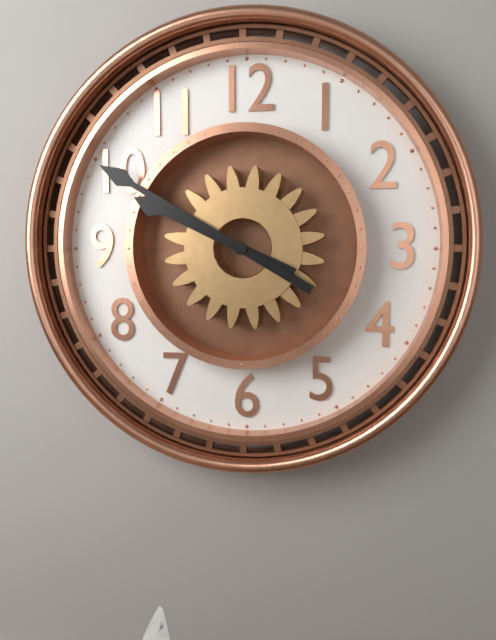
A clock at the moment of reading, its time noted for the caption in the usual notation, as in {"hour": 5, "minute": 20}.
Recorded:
{"hour": 9, "minute": 50}
